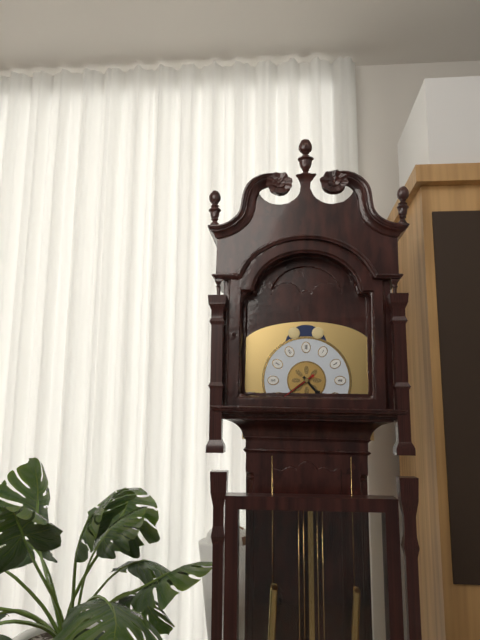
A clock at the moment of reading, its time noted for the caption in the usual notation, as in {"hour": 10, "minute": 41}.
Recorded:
{"hour": 4, "minute": 39}
